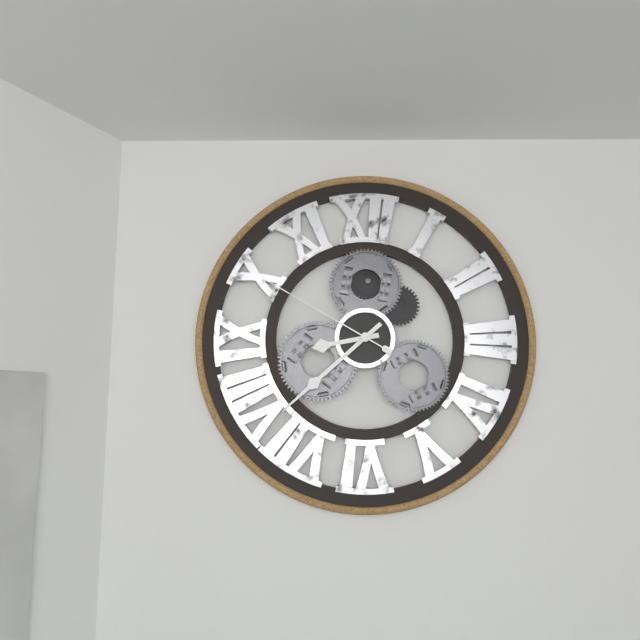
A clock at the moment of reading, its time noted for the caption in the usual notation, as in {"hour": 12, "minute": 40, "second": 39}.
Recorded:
{"hour": 8, "minute": 38, "second": 50}
